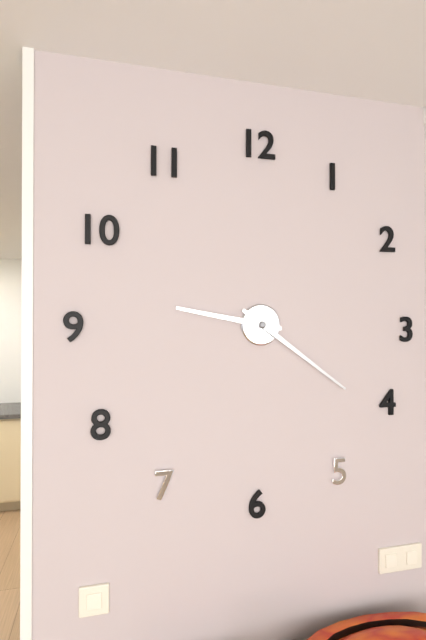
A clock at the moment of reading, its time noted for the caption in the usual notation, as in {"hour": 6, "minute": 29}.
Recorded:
{"hour": 9, "minute": 21}
